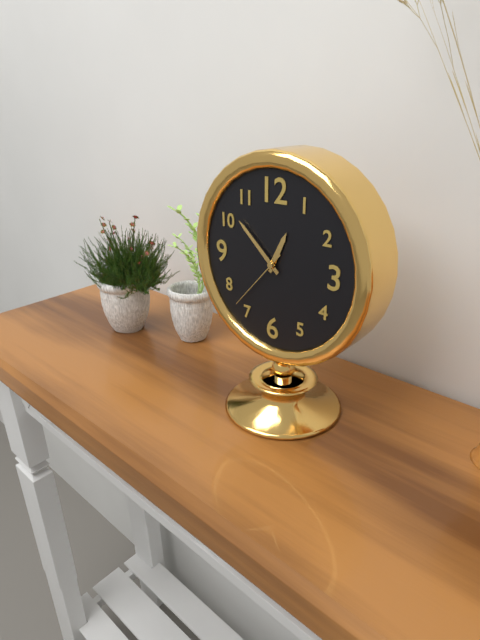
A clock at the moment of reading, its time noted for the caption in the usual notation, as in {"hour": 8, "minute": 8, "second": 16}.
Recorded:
{"hour": 12, "minute": 52, "second": 37}
